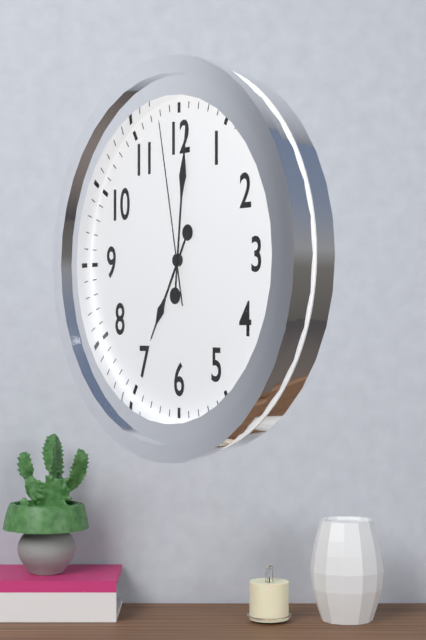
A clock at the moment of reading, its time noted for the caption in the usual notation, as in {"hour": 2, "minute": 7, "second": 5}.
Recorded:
{"hour": 7, "minute": 1, "second": 58}
